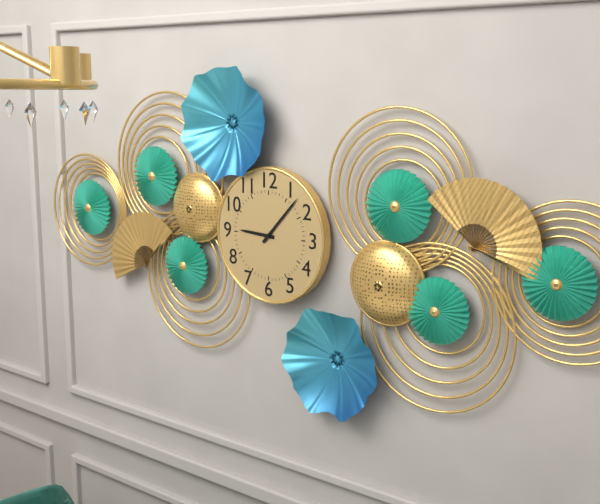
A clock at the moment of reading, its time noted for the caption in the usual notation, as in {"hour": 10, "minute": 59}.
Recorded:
{"hour": 9, "minute": 7}
